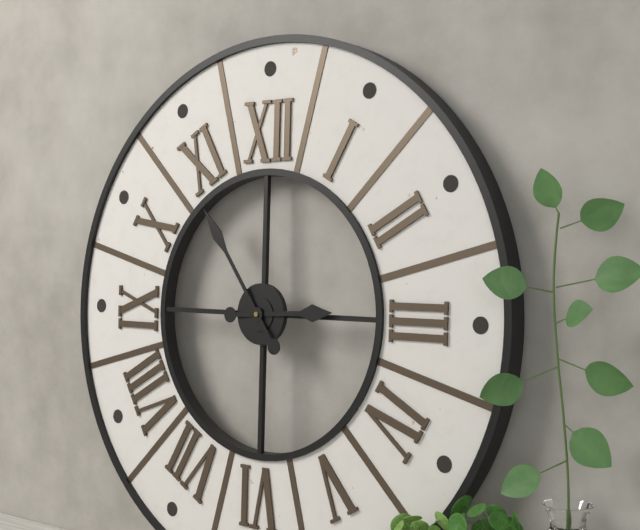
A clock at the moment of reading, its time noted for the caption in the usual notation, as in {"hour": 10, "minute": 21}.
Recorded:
{"hour": 2, "minute": 54}
